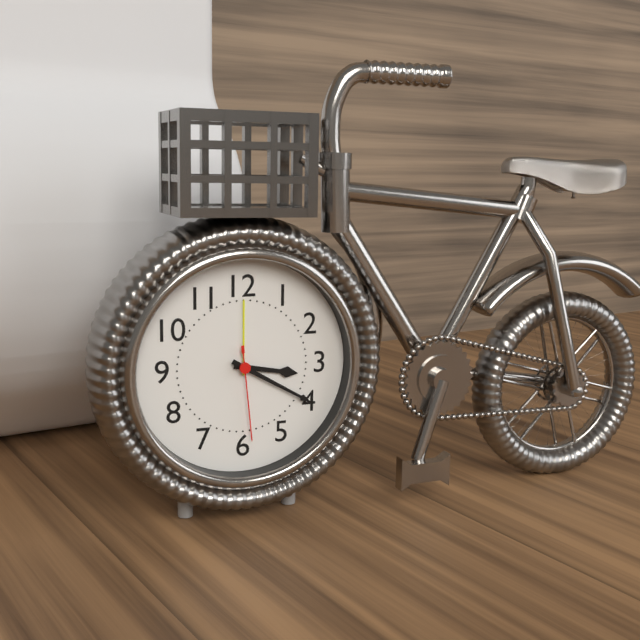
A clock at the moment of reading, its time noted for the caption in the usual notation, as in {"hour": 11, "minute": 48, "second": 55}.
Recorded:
{"hour": 3, "minute": 20, "second": 29}
